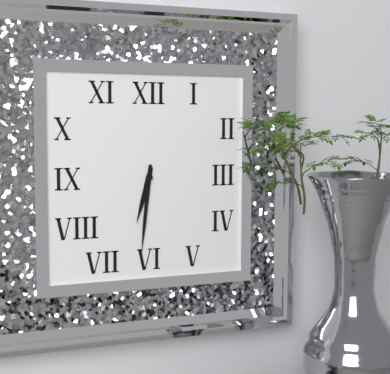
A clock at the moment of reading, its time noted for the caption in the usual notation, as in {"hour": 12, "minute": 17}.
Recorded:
{"hour": 6, "minute": 31}
